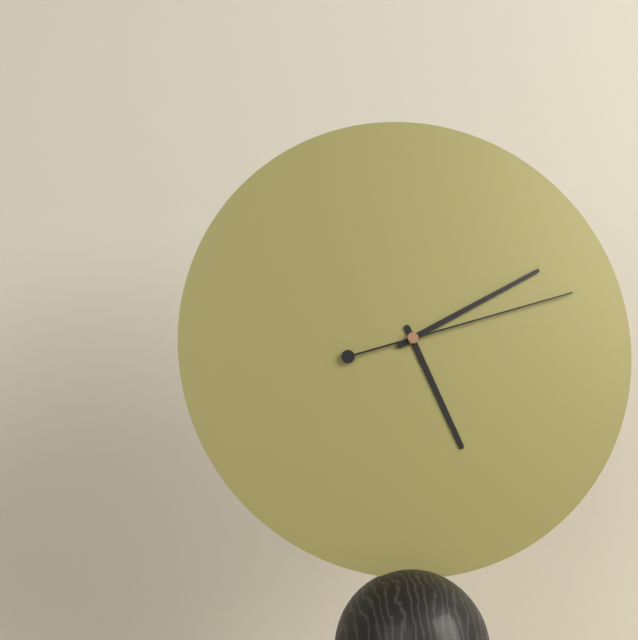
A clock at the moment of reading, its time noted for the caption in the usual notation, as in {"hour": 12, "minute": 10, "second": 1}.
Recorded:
{"hour": 5, "minute": 10, "second": 12}
